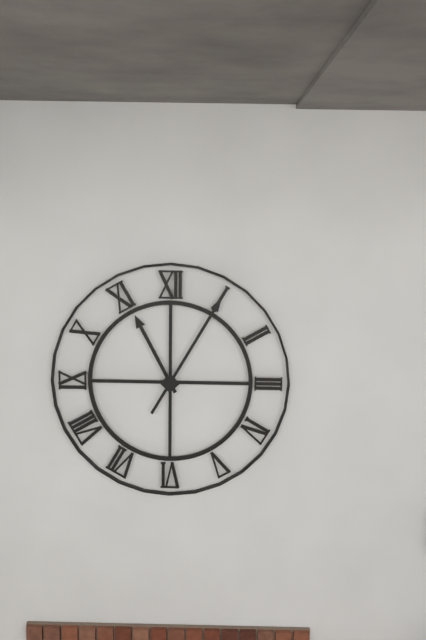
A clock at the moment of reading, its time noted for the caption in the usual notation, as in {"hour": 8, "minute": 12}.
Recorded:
{"hour": 11, "minute": 5}
